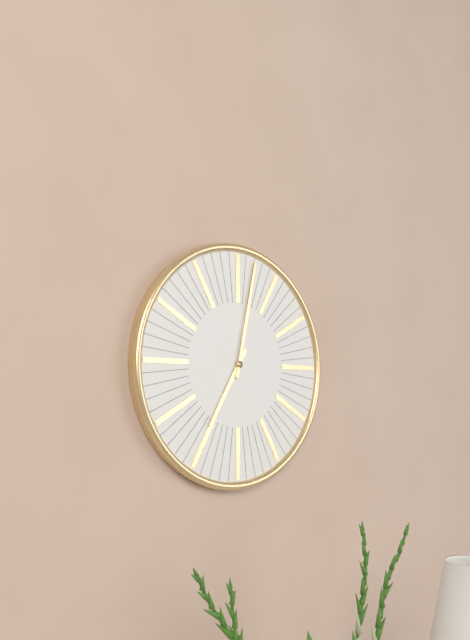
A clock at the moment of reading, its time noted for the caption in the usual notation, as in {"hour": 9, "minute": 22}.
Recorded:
{"hour": 7, "minute": 2}
